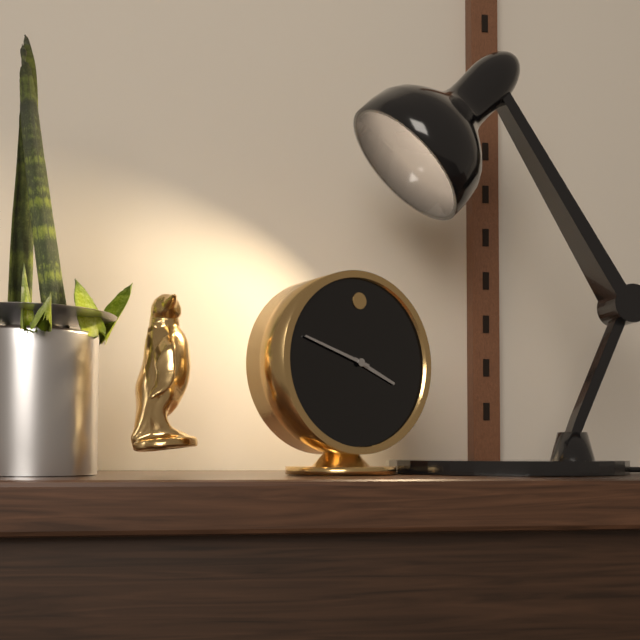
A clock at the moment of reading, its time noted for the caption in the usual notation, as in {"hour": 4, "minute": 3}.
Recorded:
{"hour": 3, "minute": 48}
